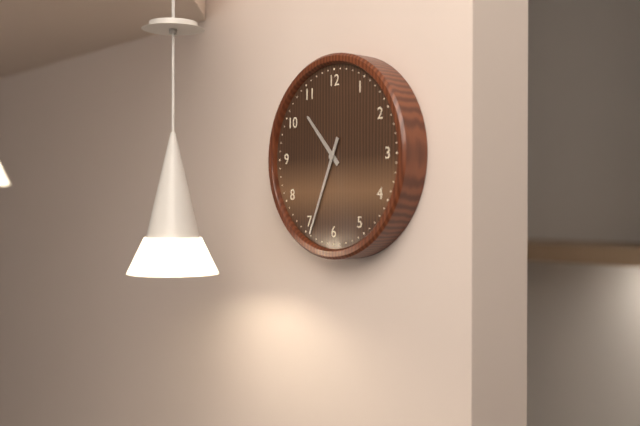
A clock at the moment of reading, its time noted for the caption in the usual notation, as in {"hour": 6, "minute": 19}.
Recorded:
{"hour": 10, "minute": 34}
